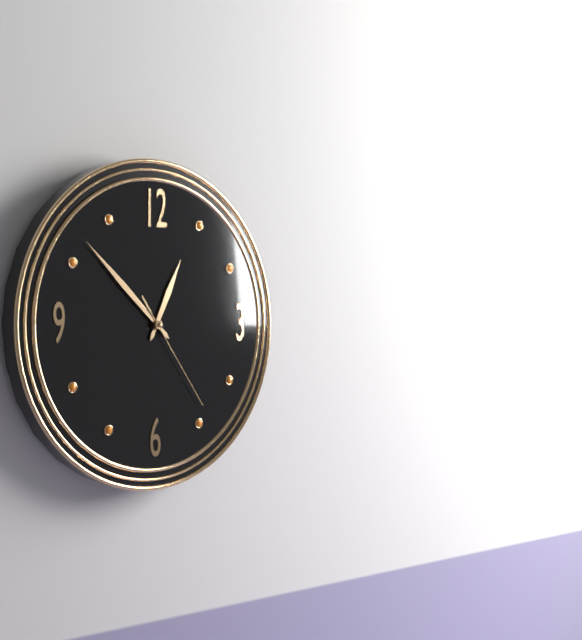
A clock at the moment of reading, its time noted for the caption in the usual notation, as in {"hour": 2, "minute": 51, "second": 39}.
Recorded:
{"hour": 12, "minute": 52, "second": 24}
